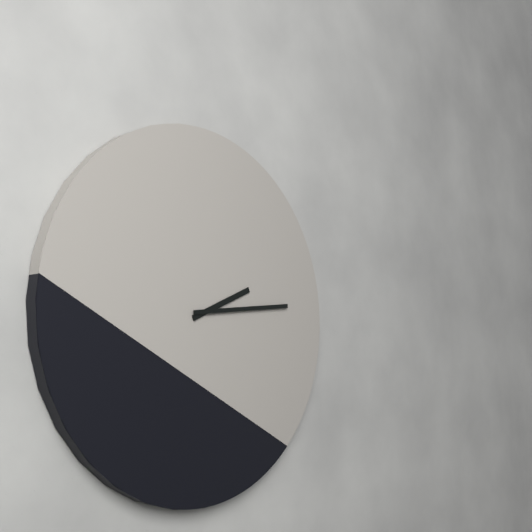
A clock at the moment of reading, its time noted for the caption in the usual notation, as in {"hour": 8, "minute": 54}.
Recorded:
{"hour": 2, "minute": 14}
